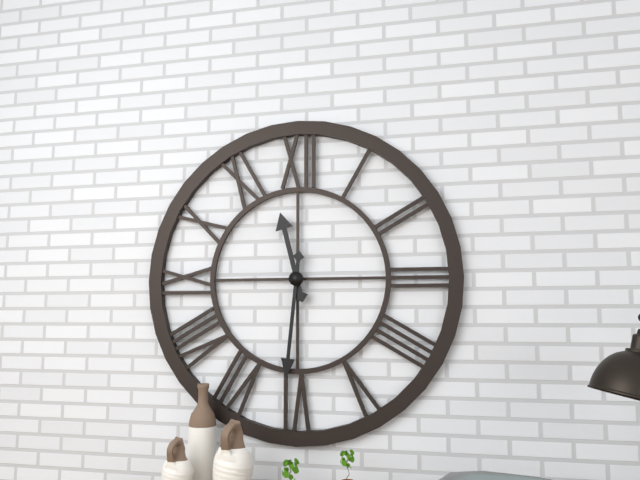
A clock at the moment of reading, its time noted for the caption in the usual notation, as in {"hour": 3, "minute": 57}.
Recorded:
{"hour": 11, "minute": 31}
